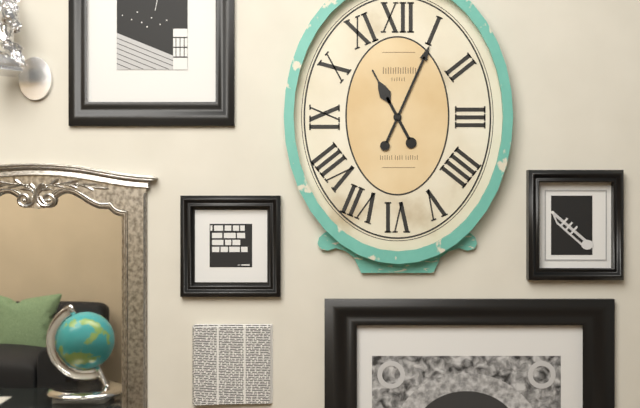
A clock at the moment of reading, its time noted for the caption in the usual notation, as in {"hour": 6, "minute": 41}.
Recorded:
{"hour": 11, "minute": 4}
